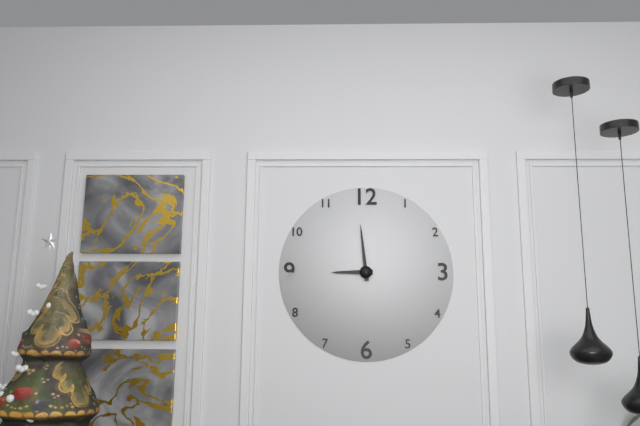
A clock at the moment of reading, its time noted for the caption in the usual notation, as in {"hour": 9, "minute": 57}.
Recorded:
{"hour": 8, "minute": 59}
